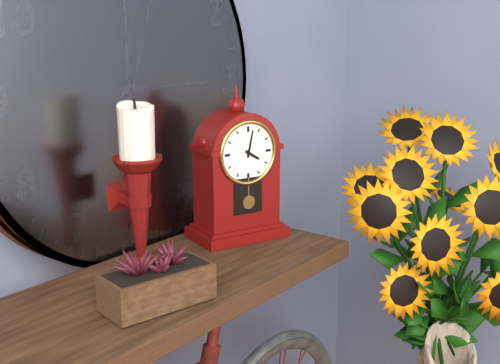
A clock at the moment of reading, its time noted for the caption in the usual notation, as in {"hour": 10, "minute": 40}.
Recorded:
{"hour": 4, "minute": 2}
